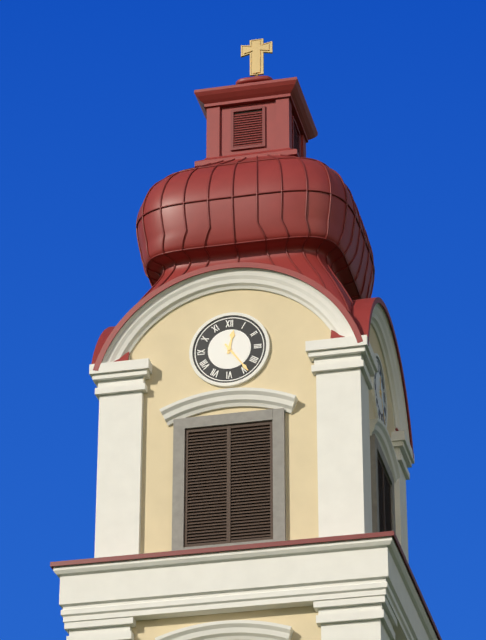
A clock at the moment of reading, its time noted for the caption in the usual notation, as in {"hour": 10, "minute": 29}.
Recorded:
{"hour": 12, "minute": 24}
